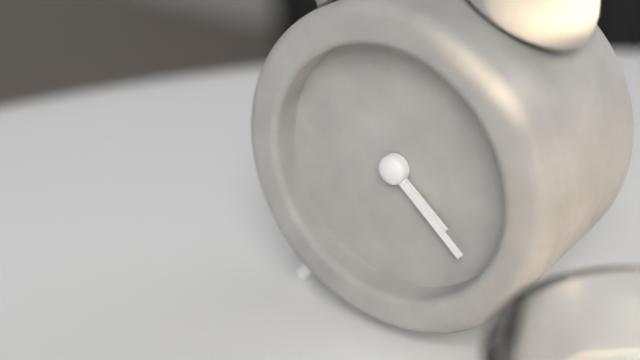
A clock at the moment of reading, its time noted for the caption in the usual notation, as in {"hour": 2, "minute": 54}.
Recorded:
{"hour": 4, "minute": 22}
